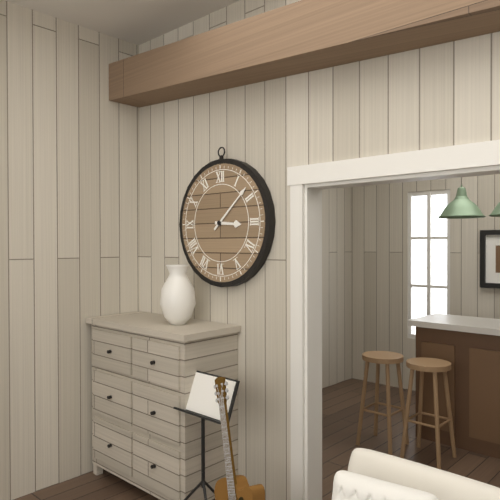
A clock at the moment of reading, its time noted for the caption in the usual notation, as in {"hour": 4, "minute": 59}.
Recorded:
{"hour": 3, "minute": 8}
